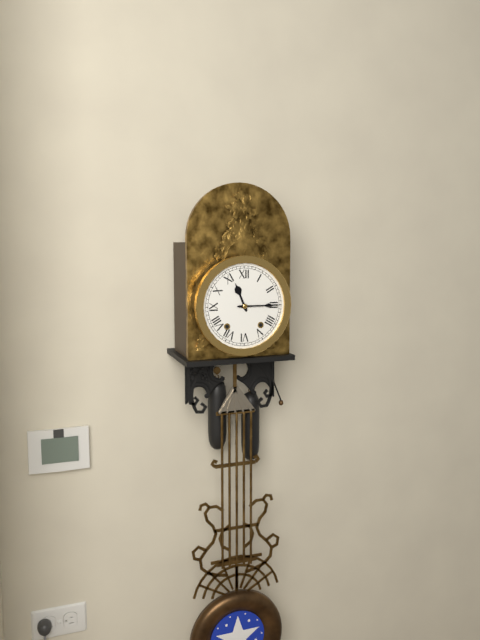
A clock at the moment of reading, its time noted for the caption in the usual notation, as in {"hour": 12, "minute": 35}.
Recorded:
{"hour": 11, "minute": 15}
